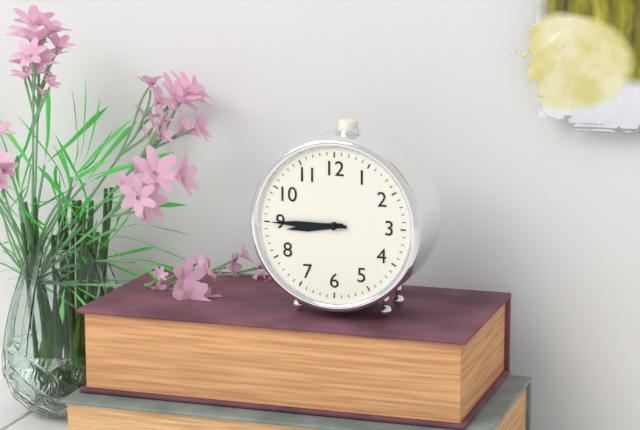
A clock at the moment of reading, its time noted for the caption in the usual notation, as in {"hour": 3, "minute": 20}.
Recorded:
{"hour": 8, "minute": 45}
